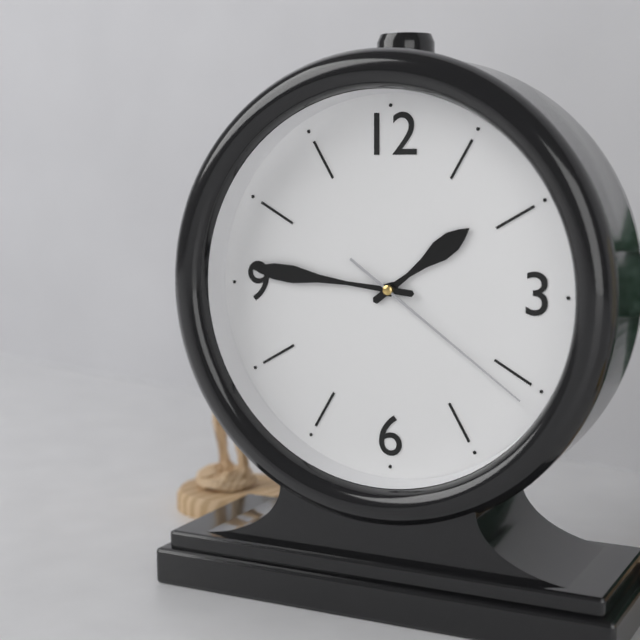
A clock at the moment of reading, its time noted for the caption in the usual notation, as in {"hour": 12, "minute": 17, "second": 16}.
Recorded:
{"hour": 1, "minute": 46, "second": 21}
